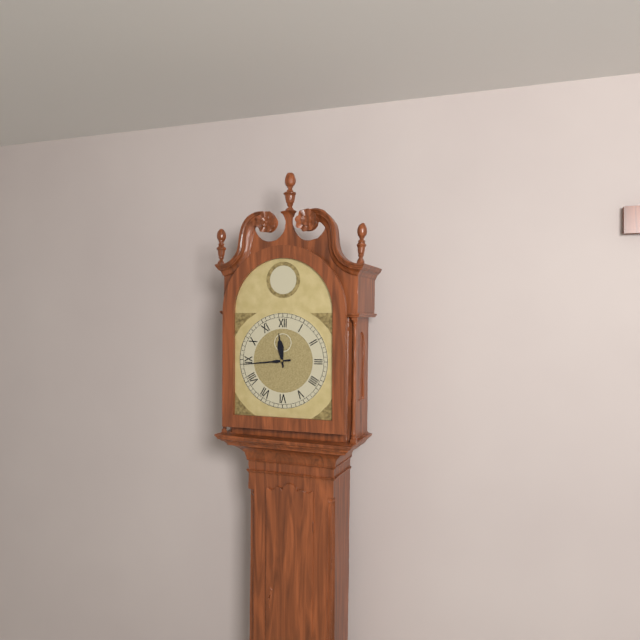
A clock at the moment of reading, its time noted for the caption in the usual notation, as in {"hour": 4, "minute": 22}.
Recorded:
{"hour": 11, "minute": 44}
